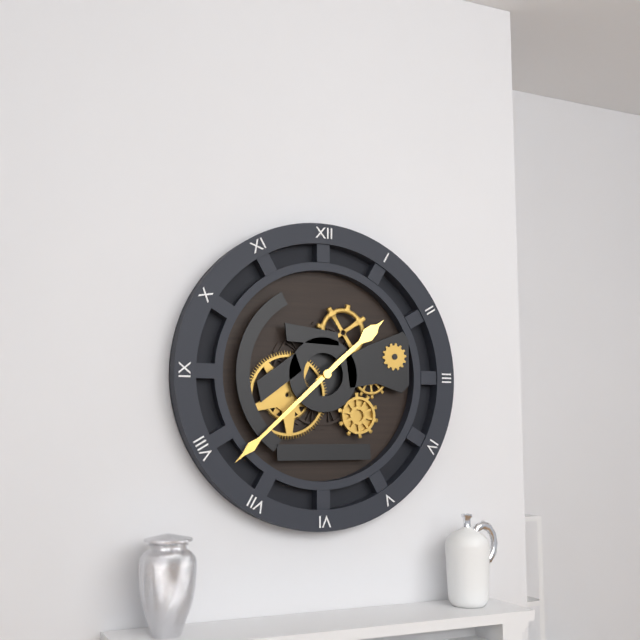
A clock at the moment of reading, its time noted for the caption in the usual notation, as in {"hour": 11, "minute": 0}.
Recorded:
{"hour": 1, "minute": 38}
